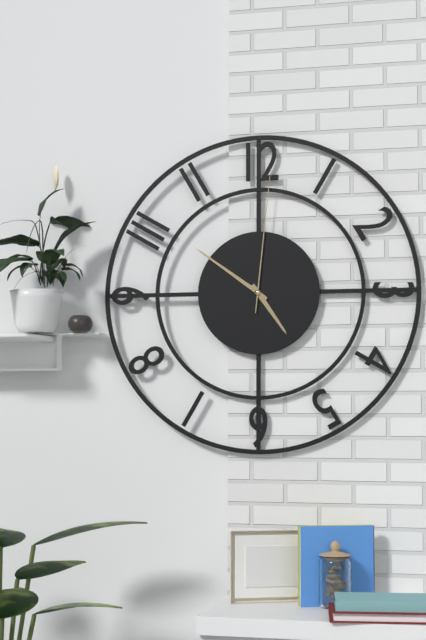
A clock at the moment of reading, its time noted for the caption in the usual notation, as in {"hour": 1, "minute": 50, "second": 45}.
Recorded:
{"hour": 4, "minute": 51, "second": 1}
